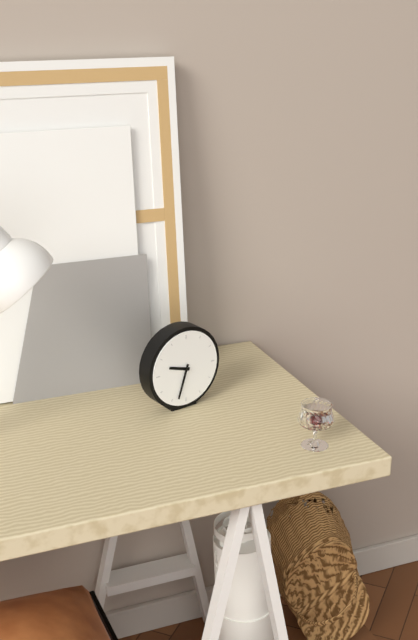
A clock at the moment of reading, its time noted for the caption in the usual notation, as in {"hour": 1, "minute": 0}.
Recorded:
{"hour": 9, "minute": 33}
